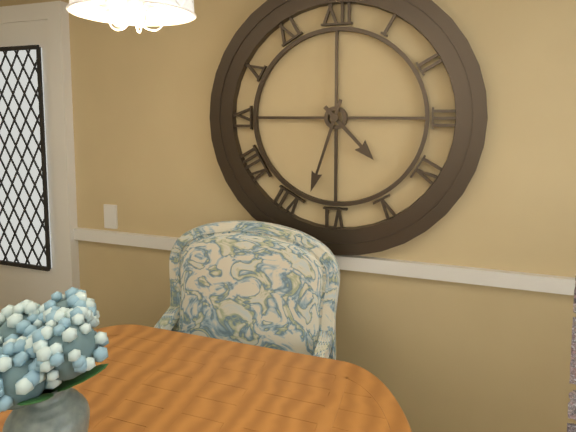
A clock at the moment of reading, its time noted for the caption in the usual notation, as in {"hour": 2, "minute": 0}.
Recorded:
{"hour": 4, "minute": 33}
